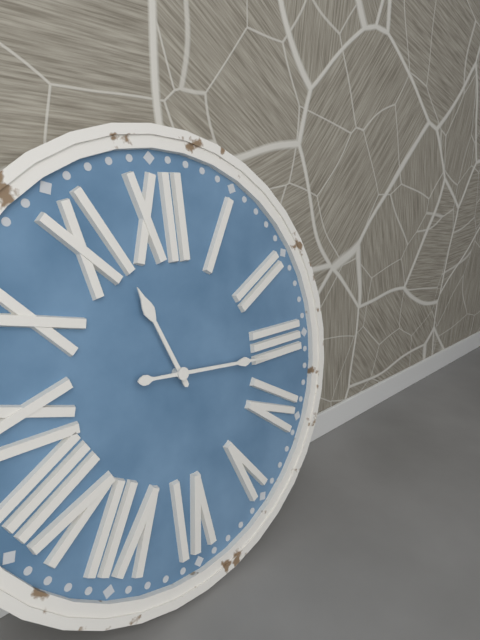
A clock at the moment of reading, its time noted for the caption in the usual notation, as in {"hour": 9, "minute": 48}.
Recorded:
{"hour": 11, "minute": 16}
